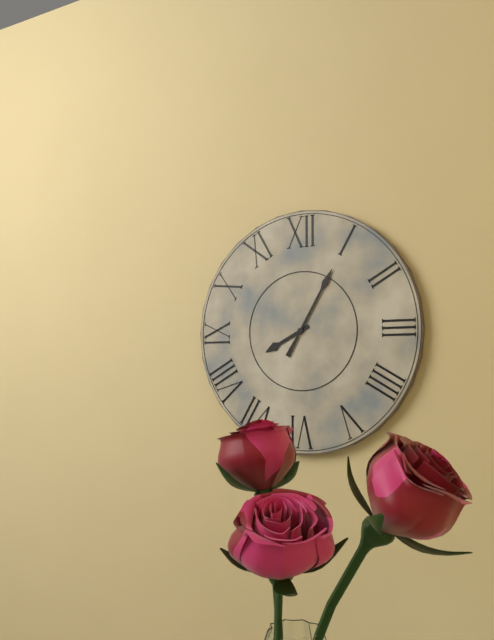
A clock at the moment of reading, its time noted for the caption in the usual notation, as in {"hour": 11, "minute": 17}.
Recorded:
{"hour": 8, "minute": 5}
